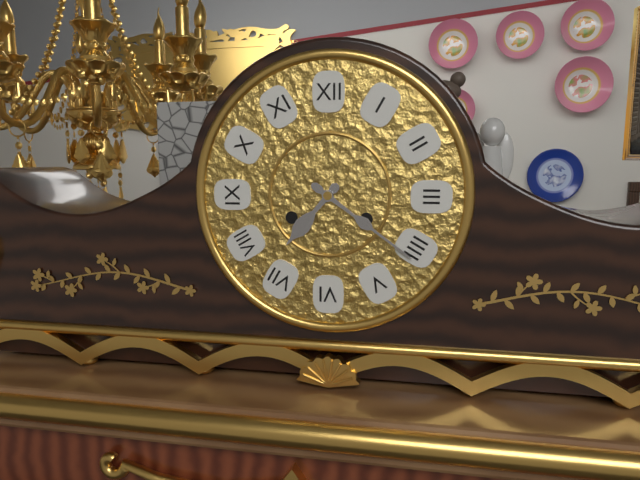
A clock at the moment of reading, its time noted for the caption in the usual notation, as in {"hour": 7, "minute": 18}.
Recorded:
{"hour": 7, "minute": 21}
